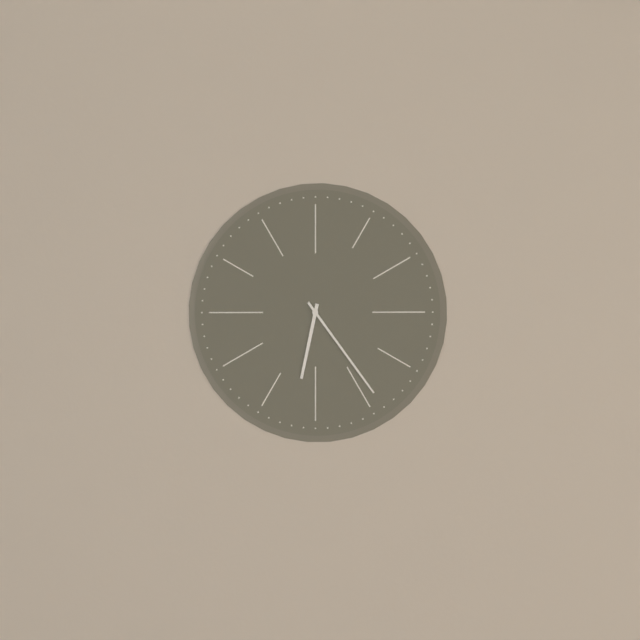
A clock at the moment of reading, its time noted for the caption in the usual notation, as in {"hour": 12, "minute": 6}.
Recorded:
{"hour": 6, "minute": 24}
